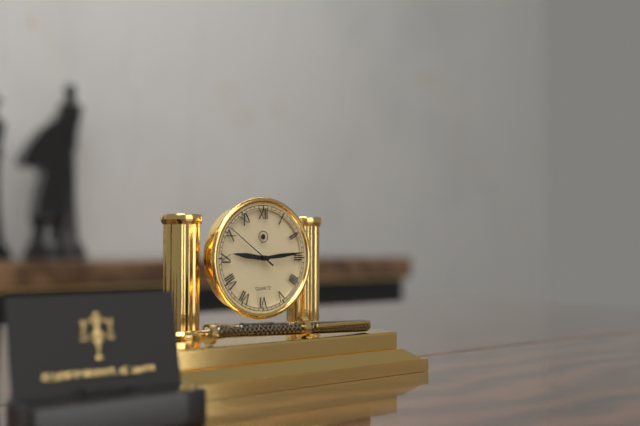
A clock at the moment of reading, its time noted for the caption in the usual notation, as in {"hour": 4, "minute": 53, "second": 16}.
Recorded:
{"hour": 9, "minute": 14, "second": 51}
